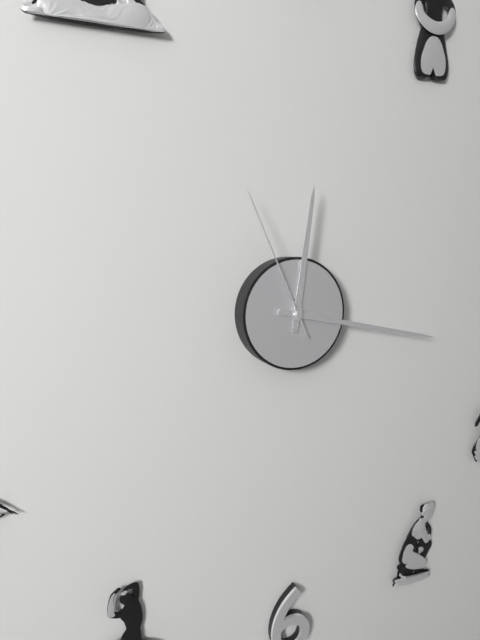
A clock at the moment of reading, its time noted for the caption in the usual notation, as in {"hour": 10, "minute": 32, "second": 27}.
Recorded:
{"hour": 12, "minute": 17, "second": 56}
